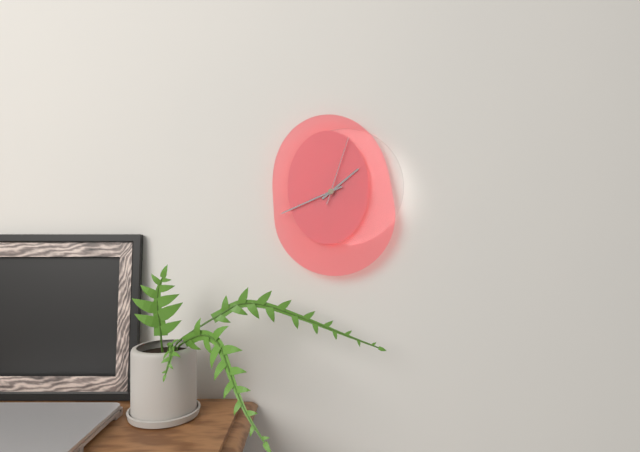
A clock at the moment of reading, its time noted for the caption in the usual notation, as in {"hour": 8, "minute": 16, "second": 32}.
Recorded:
{"hour": 1, "minute": 41, "second": 3}
